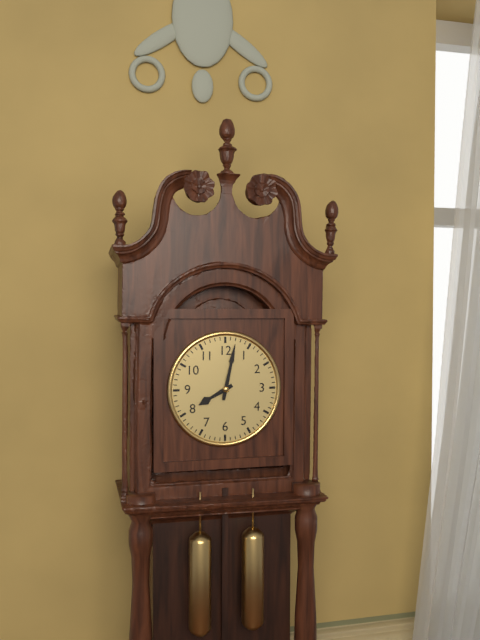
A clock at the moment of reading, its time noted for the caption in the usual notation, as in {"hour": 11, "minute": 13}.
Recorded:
{"hour": 8, "minute": 2}
